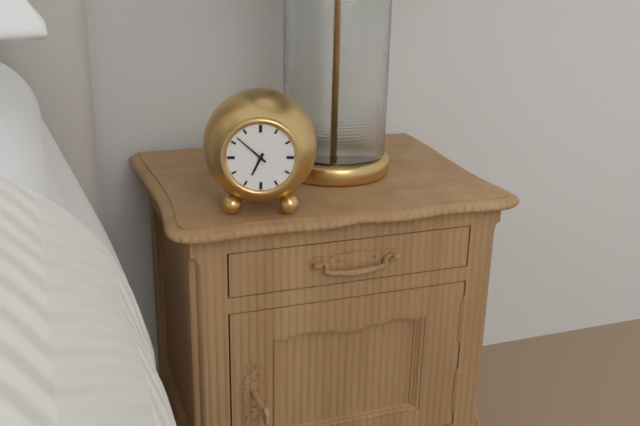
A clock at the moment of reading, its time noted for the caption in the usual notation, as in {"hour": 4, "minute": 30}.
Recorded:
{"hour": 6, "minute": 52}
